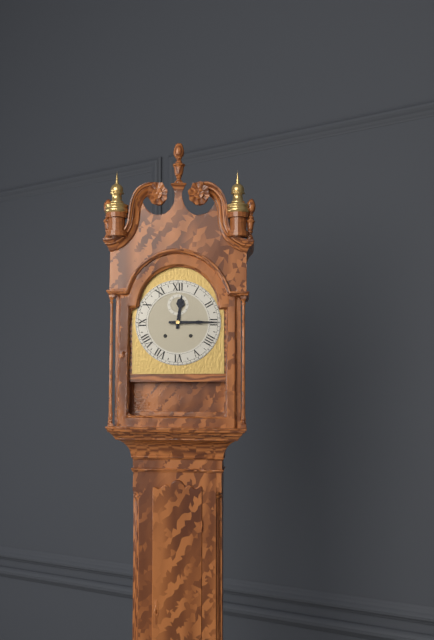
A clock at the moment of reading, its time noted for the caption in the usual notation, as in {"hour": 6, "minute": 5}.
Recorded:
{"hour": 12, "minute": 15}
